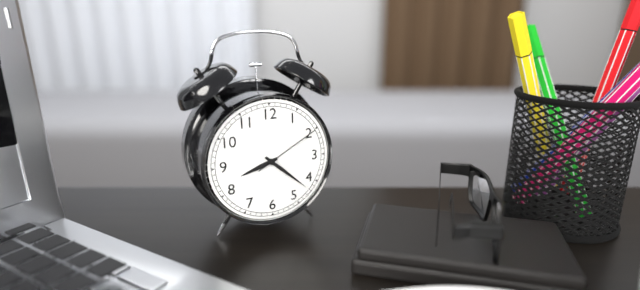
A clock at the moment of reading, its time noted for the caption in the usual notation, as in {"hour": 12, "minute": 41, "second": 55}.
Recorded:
{"hour": 8, "minute": 22, "second": 10}
